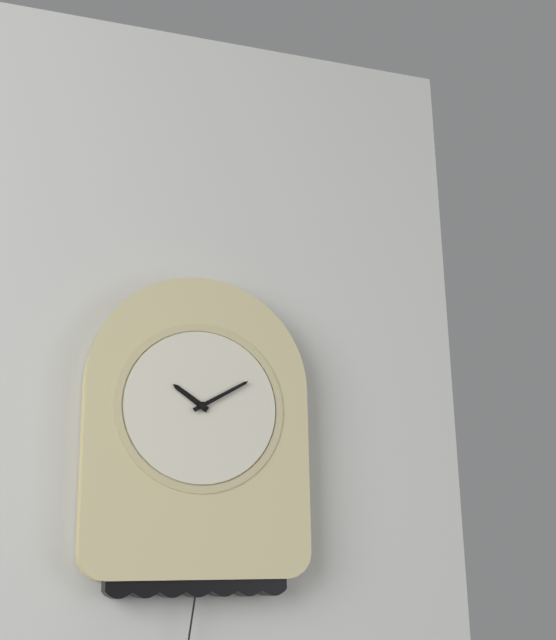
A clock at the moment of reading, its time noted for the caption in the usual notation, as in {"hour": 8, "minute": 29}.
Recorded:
{"hour": 10, "minute": 10}
